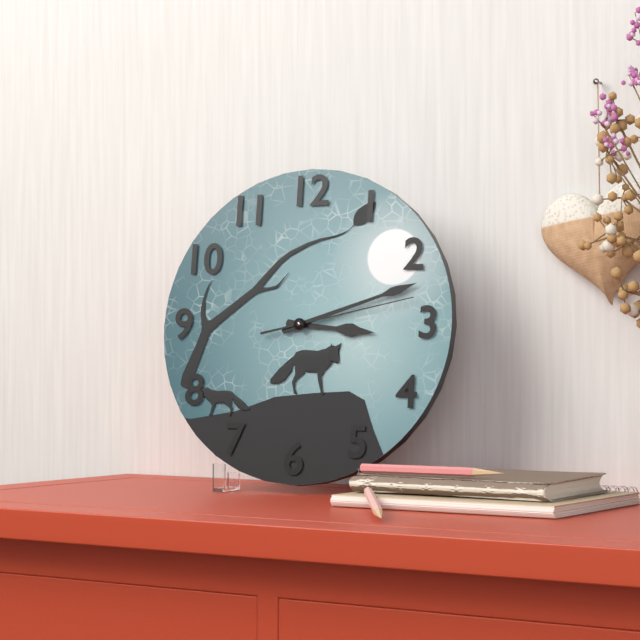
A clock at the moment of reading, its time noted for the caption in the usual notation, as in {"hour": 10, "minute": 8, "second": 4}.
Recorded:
{"hour": 3, "minute": 12, "second": 13}
